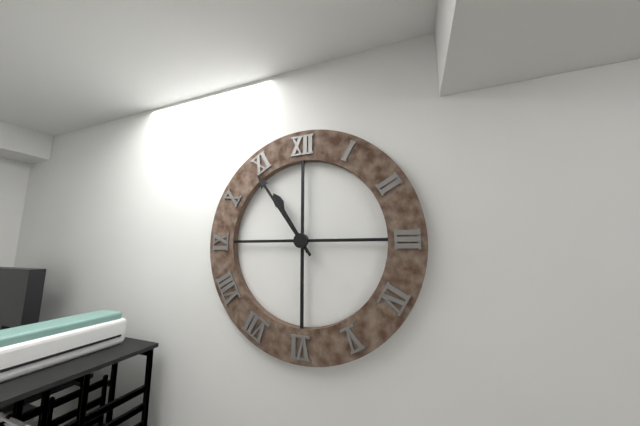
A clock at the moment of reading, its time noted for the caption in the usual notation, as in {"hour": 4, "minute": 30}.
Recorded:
{"hour": 10, "minute": 54}
